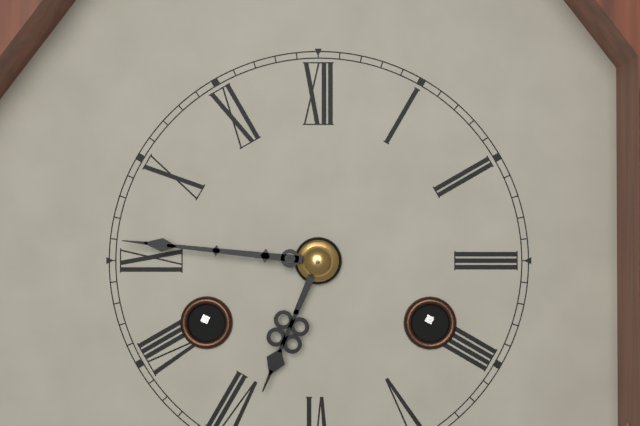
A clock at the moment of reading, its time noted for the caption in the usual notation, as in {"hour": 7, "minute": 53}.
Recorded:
{"hour": 6, "minute": 46}
